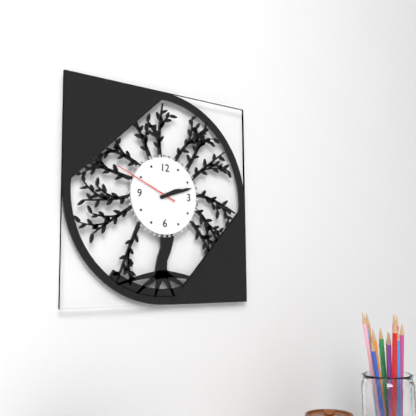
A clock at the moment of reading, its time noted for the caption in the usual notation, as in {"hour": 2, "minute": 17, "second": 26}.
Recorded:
{"hour": 2, "minute": 12, "second": 49}
